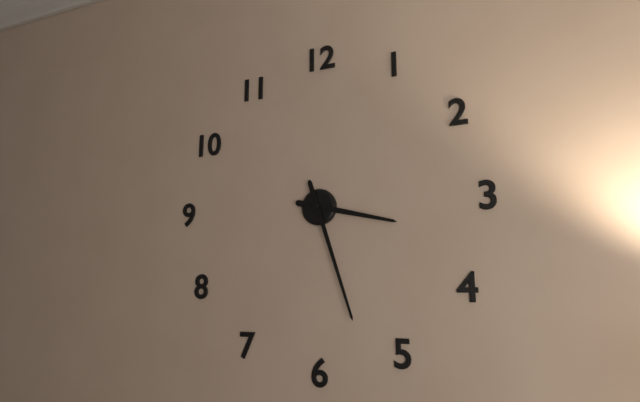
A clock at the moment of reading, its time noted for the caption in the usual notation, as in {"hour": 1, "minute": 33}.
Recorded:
{"hour": 3, "minute": 27}
